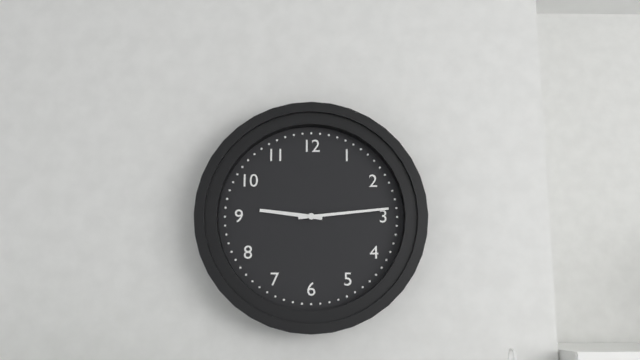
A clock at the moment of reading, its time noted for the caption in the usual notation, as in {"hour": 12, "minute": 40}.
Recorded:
{"hour": 9, "minute": 14}
